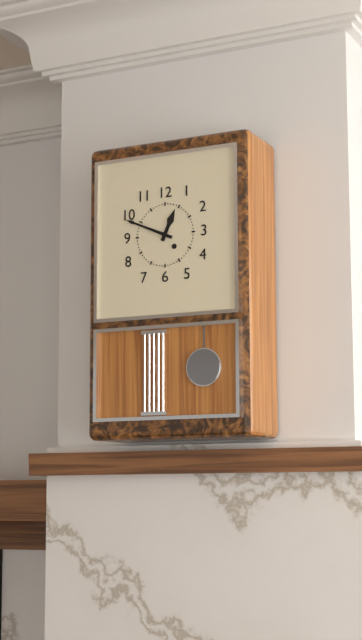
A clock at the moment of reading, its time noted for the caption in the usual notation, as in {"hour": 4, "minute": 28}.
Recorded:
{"hour": 12, "minute": 49}
